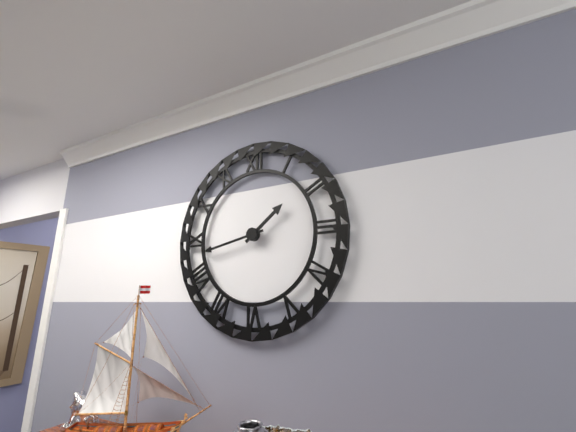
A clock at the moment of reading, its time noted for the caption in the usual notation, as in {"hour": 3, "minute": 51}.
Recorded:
{"hour": 1, "minute": 43}
